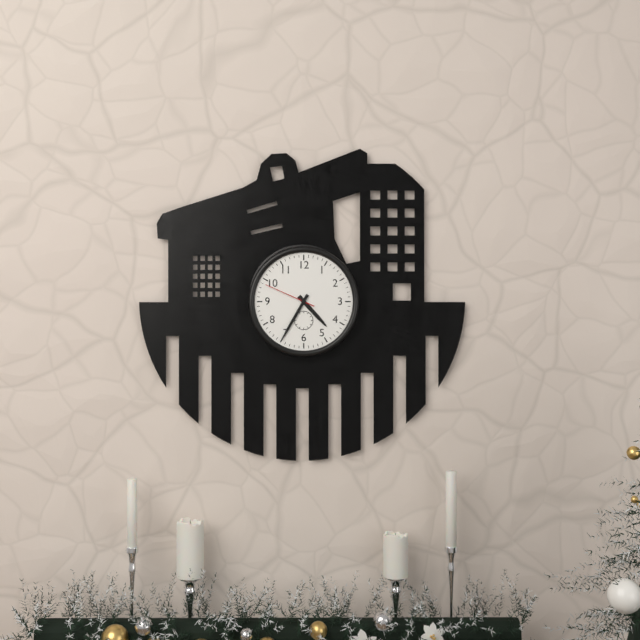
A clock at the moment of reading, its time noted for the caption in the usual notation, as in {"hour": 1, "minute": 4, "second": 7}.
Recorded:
{"hour": 4, "minute": 35, "second": 49}
